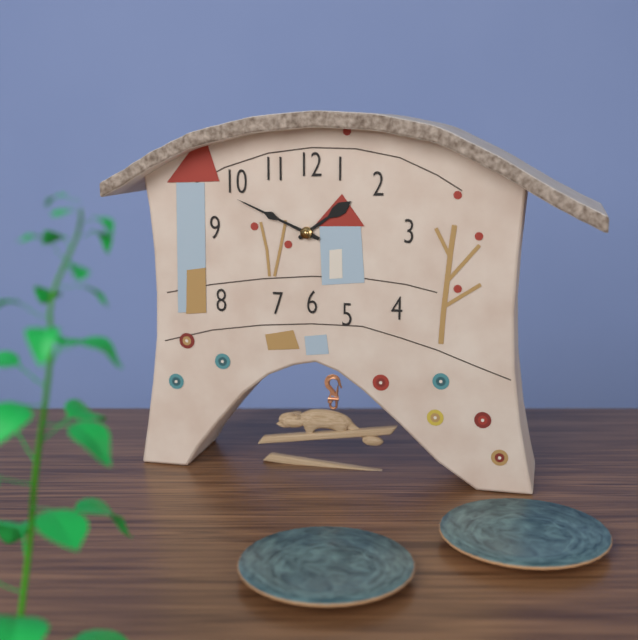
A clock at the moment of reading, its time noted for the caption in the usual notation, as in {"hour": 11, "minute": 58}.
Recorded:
{"hour": 1, "minute": 49}
